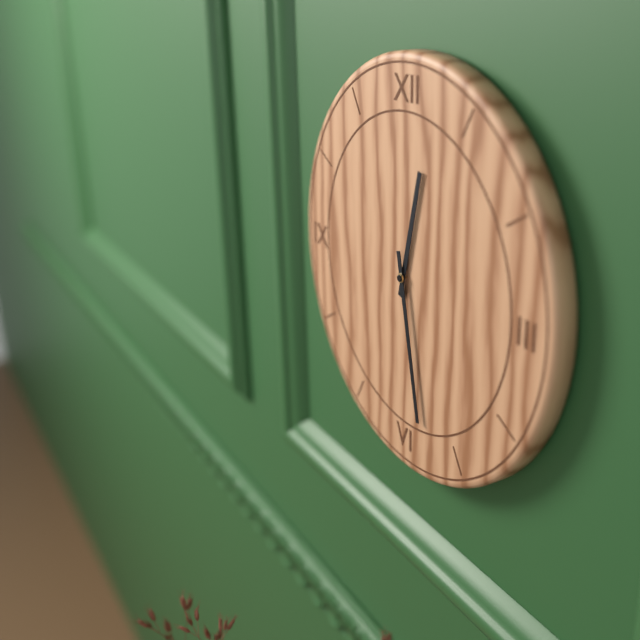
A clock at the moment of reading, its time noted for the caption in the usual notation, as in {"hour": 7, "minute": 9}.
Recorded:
{"hour": 12, "minute": 28}
